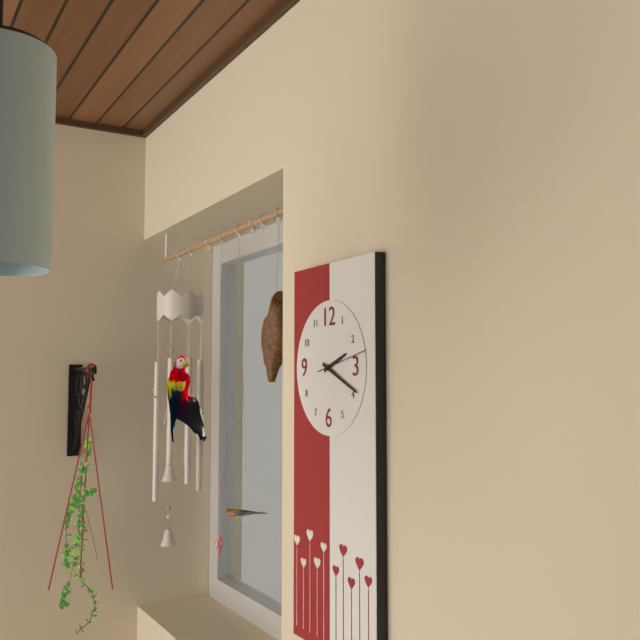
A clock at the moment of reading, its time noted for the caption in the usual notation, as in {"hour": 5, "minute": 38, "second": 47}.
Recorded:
{"hour": 2, "minute": 19, "second": 13}
